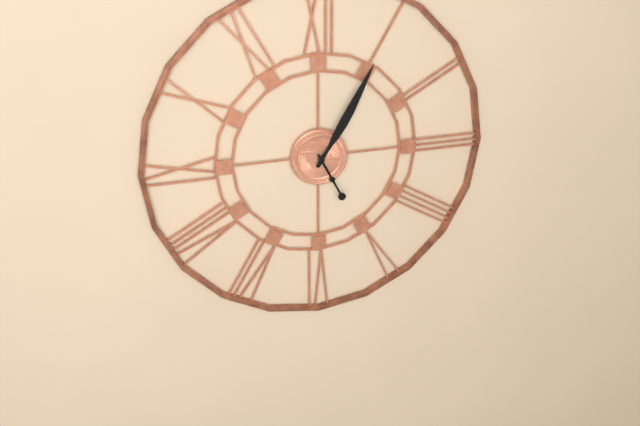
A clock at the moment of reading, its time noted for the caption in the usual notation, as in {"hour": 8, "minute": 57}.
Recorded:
{"hour": 5, "minute": 5}
